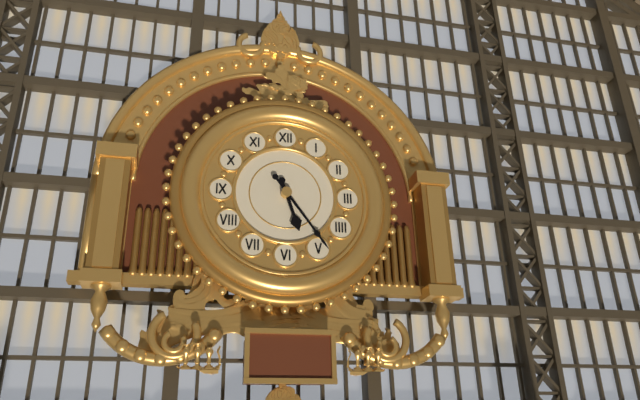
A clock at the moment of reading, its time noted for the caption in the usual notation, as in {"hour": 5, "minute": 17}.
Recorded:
{"hour": 5, "minute": 24}
